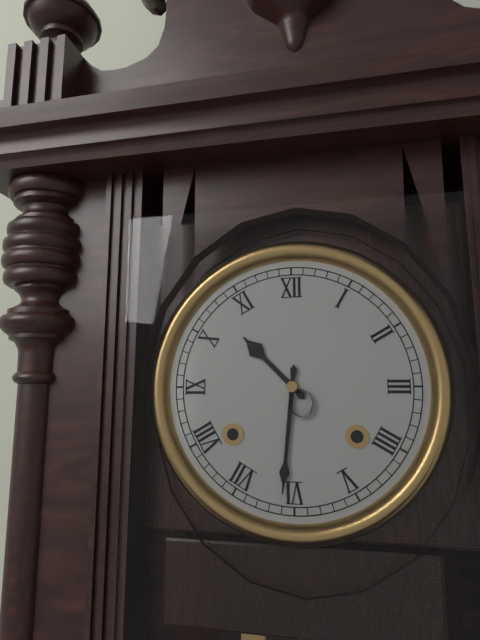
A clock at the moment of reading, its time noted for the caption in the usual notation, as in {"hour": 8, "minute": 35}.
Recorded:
{"hour": 10, "minute": 31}
